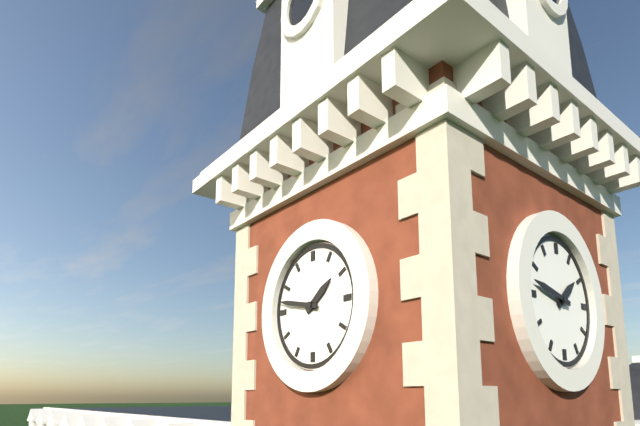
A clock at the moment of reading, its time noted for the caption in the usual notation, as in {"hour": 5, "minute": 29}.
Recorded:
{"hour": 1, "minute": 47}
